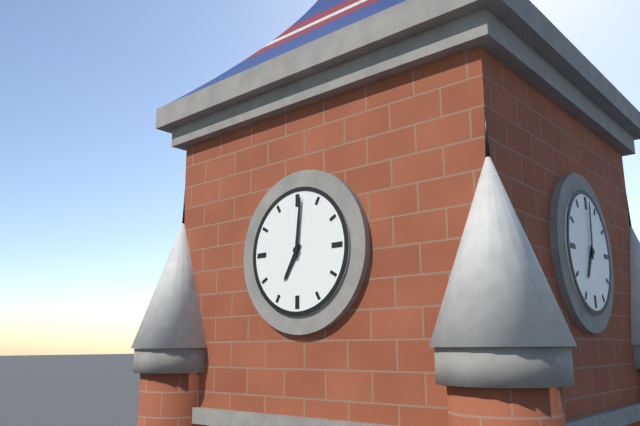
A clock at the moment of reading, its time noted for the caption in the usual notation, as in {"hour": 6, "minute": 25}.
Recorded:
{"hour": 7, "minute": 1}
